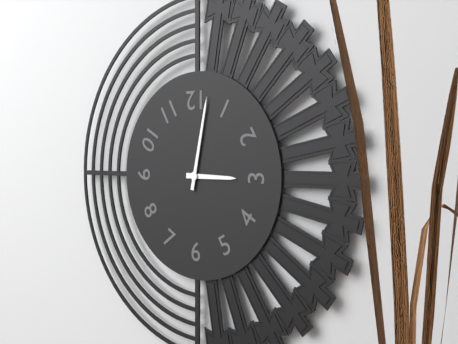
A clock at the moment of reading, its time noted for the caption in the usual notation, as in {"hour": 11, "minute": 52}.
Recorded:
{"hour": 3, "minute": 2}
